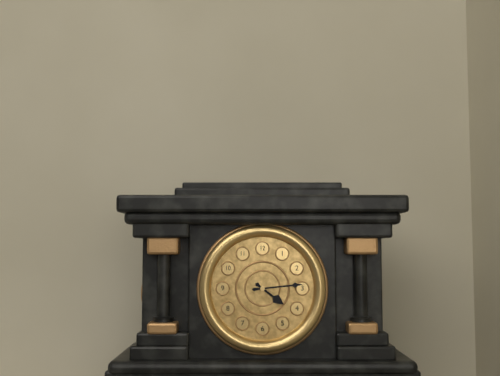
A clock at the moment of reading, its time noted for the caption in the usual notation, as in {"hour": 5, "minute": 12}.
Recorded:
{"hour": 4, "minute": 14}
